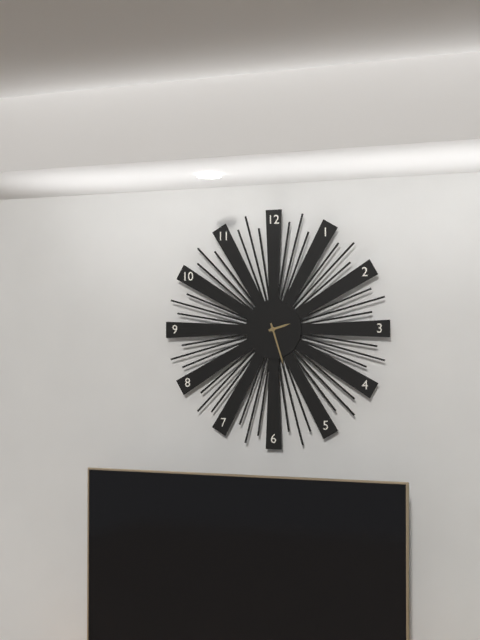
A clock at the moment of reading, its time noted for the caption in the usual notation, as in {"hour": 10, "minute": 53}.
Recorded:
{"hour": 2, "minute": 27}
